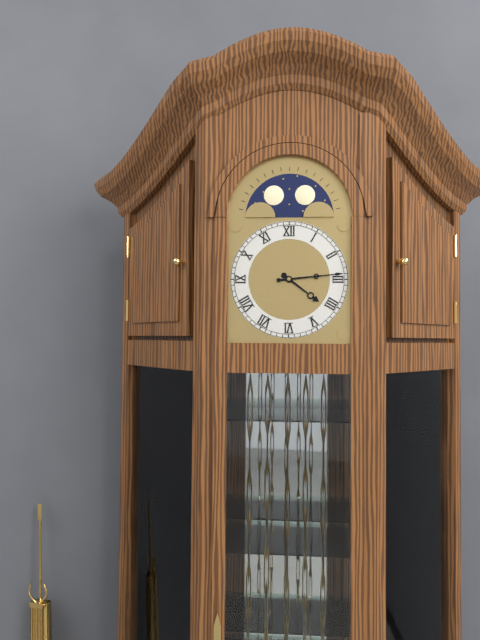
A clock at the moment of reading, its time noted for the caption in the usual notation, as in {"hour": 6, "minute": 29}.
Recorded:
{"hour": 4, "minute": 14}
